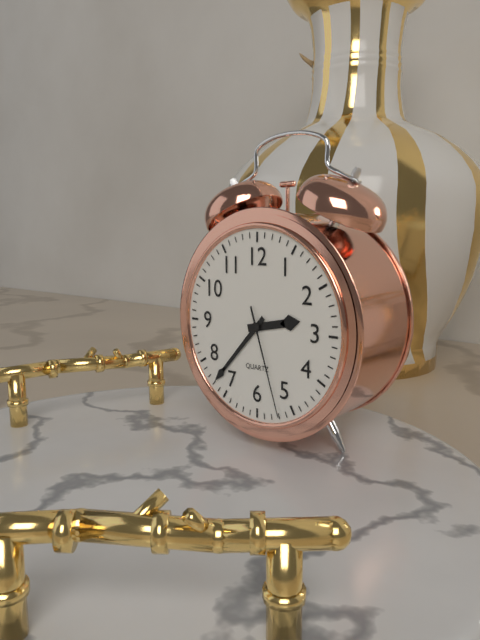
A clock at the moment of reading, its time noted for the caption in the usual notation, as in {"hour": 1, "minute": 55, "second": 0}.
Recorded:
{"hour": 2, "minute": 37, "second": 27}
